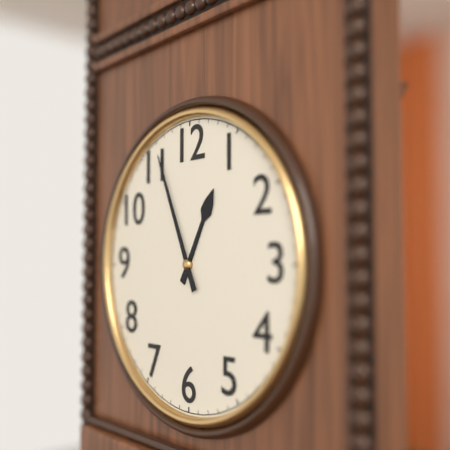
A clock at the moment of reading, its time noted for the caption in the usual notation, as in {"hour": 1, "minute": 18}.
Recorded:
{"hour": 12, "minute": 56}
